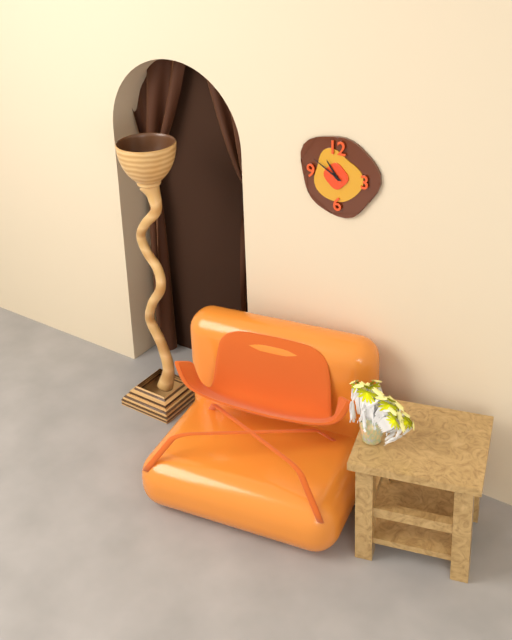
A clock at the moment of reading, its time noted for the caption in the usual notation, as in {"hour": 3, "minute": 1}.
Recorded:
{"hour": 10, "minute": 50}
